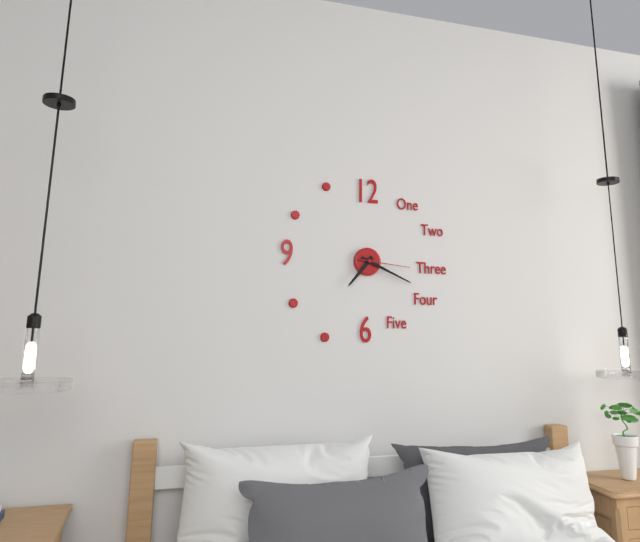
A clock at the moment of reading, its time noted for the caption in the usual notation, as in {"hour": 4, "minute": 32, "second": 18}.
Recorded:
{"hour": 7, "minute": 19, "second": 16}
